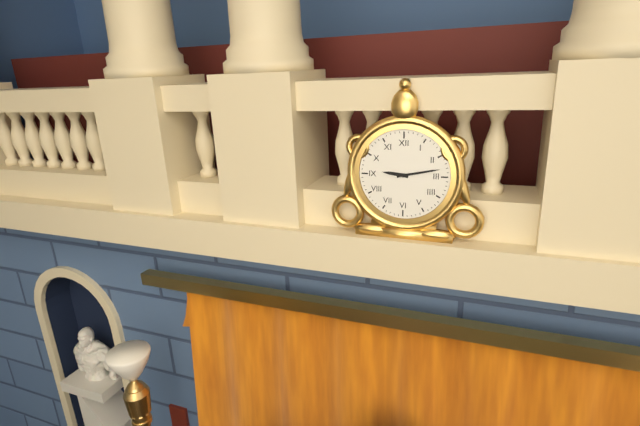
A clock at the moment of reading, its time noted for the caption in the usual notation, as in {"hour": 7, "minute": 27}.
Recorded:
{"hour": 9, "minute": 13}
